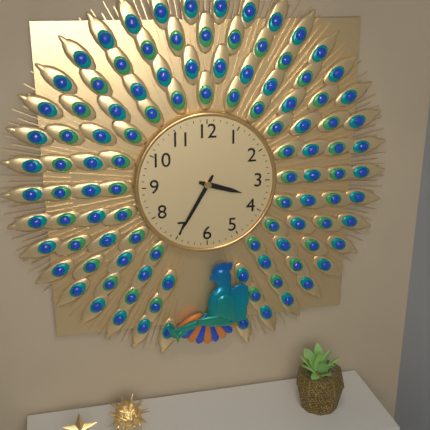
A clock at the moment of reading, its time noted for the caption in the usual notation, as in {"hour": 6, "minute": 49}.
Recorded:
{"hour": 3, "minute": 35}
